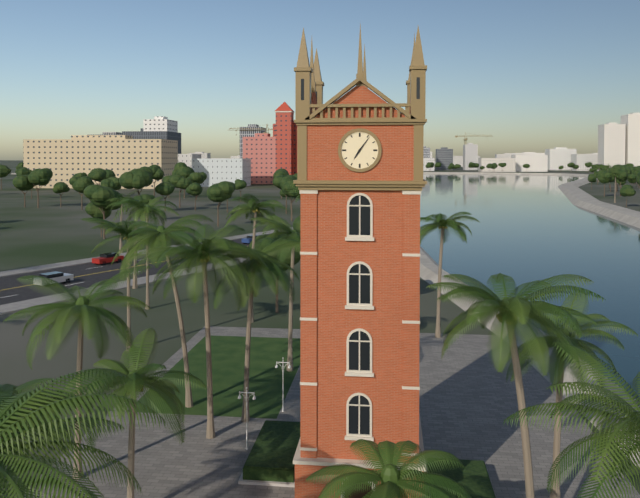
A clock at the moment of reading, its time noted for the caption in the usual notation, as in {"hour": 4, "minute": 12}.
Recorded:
{"hour": 7, "minute": 6}
